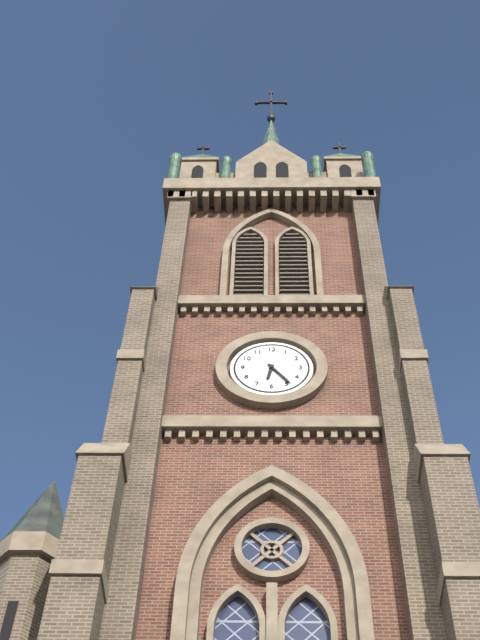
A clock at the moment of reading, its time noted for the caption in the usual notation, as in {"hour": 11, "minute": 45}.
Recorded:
{"hour": 6, "minute": 24}
